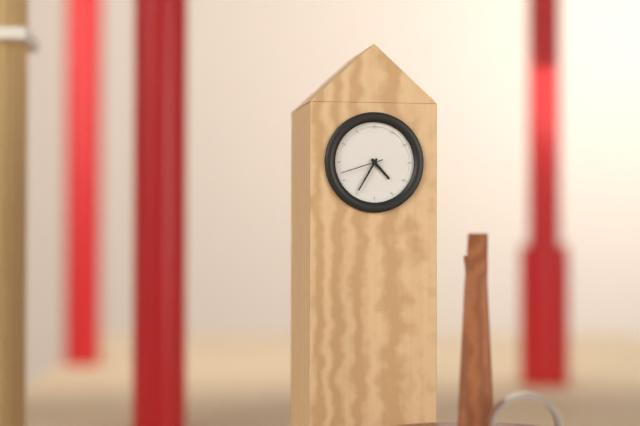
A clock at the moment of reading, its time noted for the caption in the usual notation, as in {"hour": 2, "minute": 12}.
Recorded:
{"hour": 4, "minute": 35}
